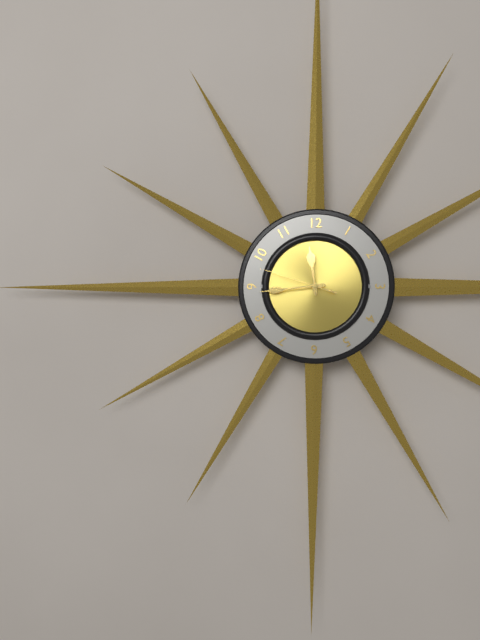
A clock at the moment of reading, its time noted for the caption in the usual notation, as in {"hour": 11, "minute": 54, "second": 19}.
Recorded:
{"hour": 11, "minute": 44, "second": 48}
